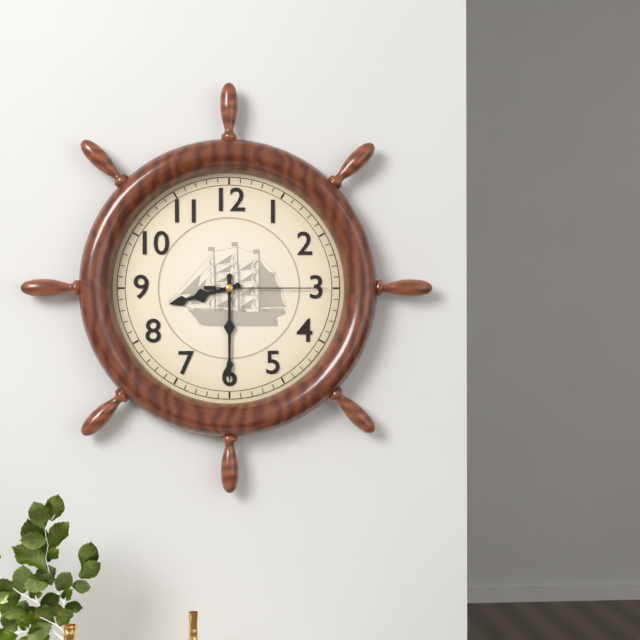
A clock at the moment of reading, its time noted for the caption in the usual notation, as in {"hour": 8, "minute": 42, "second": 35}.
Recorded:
{"hour": 8, "minute": 30, "second": 15}
